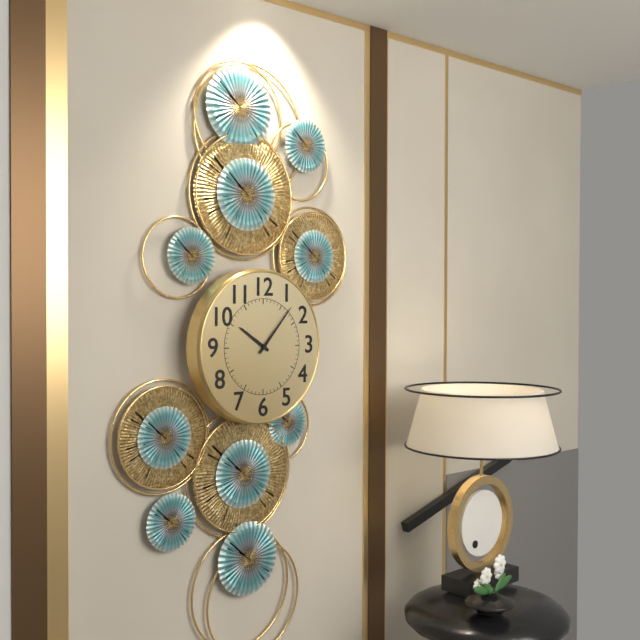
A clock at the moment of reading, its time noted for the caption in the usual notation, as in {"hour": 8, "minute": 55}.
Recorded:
{"hour": 10, "minute": 7}
